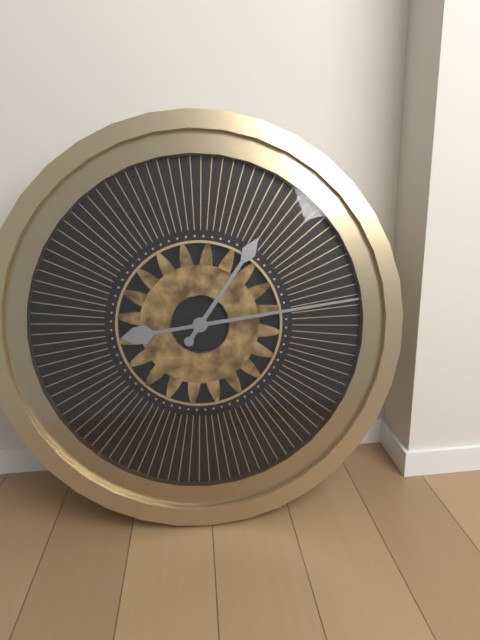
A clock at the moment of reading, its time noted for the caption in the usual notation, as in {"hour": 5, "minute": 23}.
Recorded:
{"hour": 1, "minute": 14}
